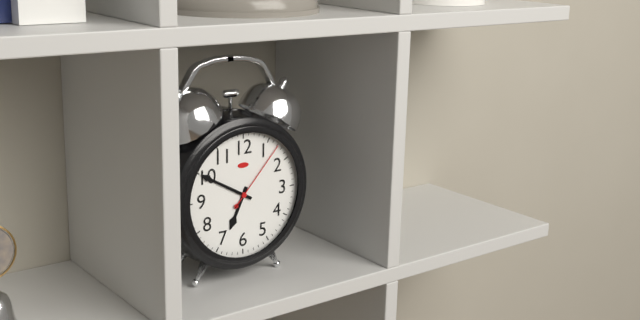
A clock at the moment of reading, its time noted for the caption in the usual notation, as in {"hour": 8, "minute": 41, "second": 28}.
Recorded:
{"hour": 6, "minute": 50, "second": 7}
